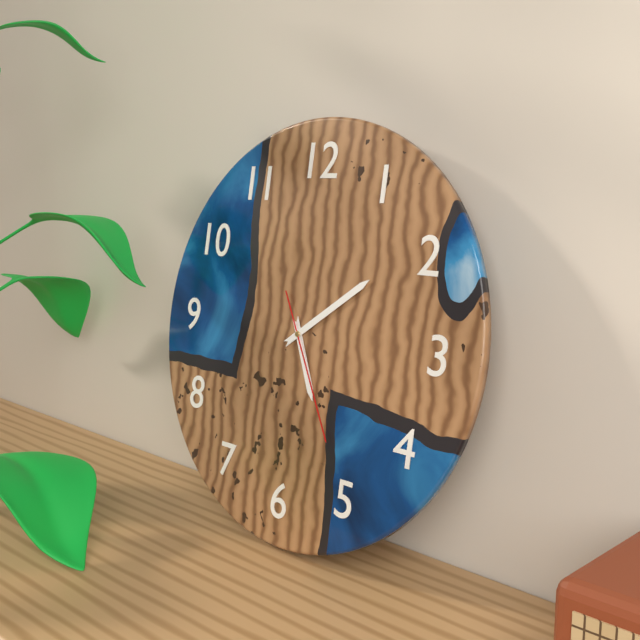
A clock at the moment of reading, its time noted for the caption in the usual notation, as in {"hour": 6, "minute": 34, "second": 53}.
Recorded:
{"hour": 5, "minute": 9, "second": 25}
